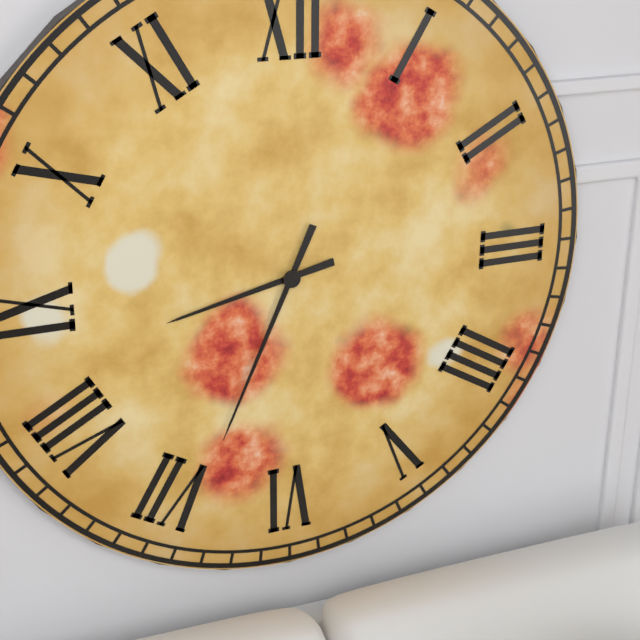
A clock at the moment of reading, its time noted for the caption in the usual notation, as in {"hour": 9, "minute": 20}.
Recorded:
{"hour": 8, "minute": 34}
